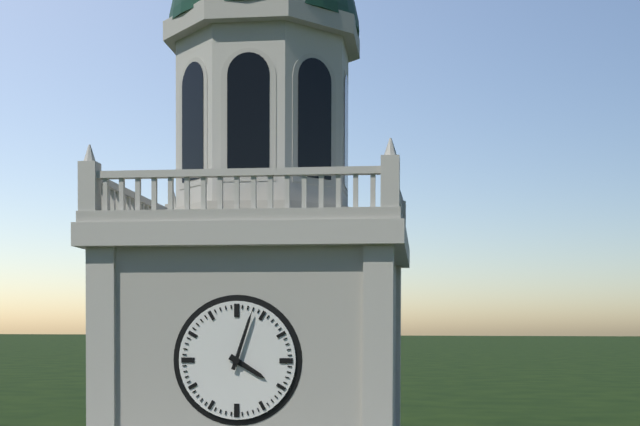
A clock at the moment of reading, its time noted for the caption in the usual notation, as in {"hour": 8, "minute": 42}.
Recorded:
{"hour": 4, "minute": 3}
